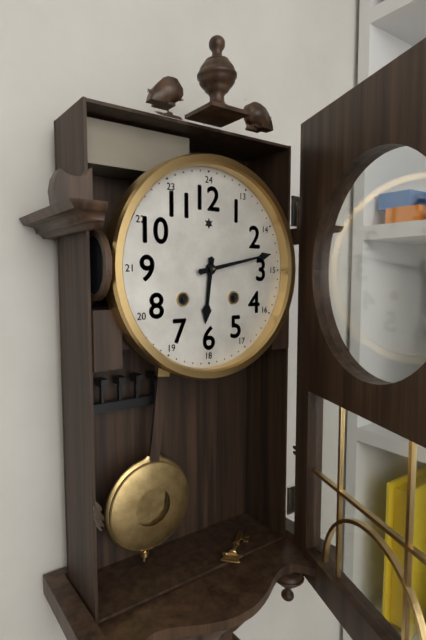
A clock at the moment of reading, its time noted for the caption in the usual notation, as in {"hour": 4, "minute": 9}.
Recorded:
{"hour": 6, "minute": 13}
